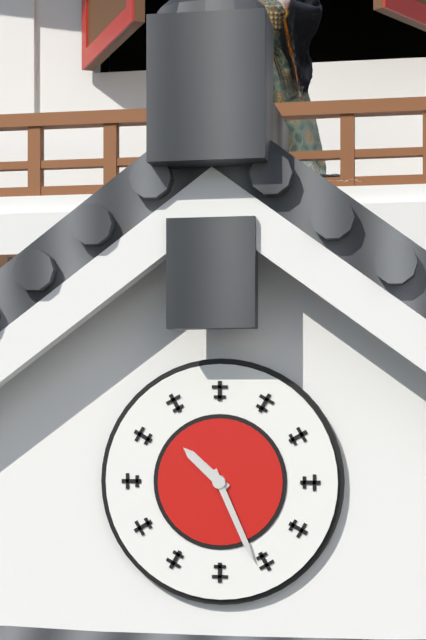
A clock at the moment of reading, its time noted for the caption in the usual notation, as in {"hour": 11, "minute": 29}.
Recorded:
{"hour": 10, "minute": 26}
